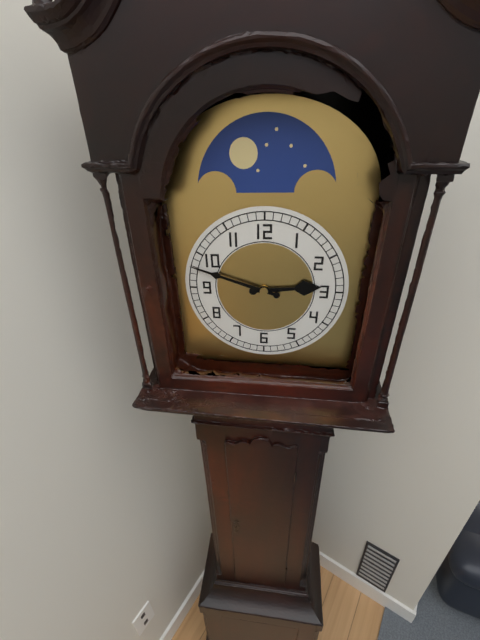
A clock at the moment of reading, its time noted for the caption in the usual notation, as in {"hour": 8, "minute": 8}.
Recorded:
{"hour": 2, "minute": 48}
